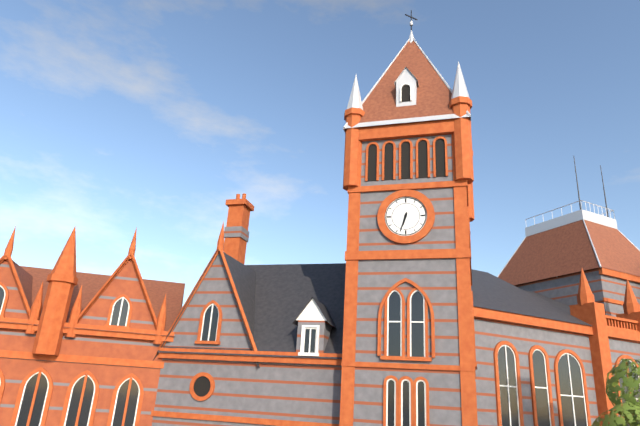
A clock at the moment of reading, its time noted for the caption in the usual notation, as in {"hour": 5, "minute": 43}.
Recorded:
{"hour": 6, "minute": 33}
